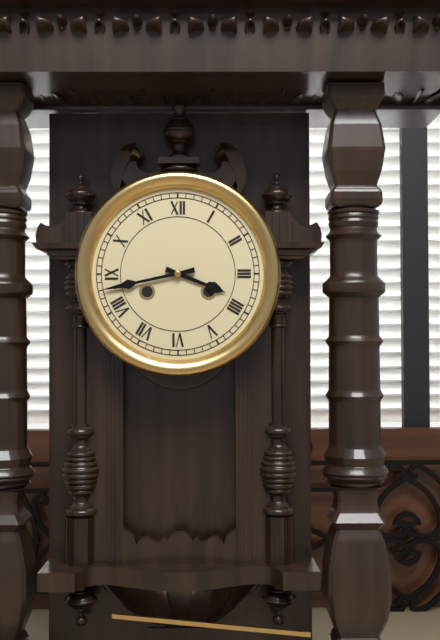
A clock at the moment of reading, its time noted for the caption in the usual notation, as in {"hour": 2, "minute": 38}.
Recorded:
{"hour": 3, "minute": 43}
